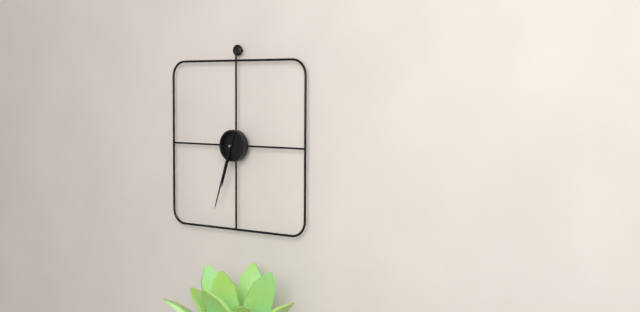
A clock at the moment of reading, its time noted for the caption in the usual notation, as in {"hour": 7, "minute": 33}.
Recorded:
{"hour": 6, "minute": 33}
